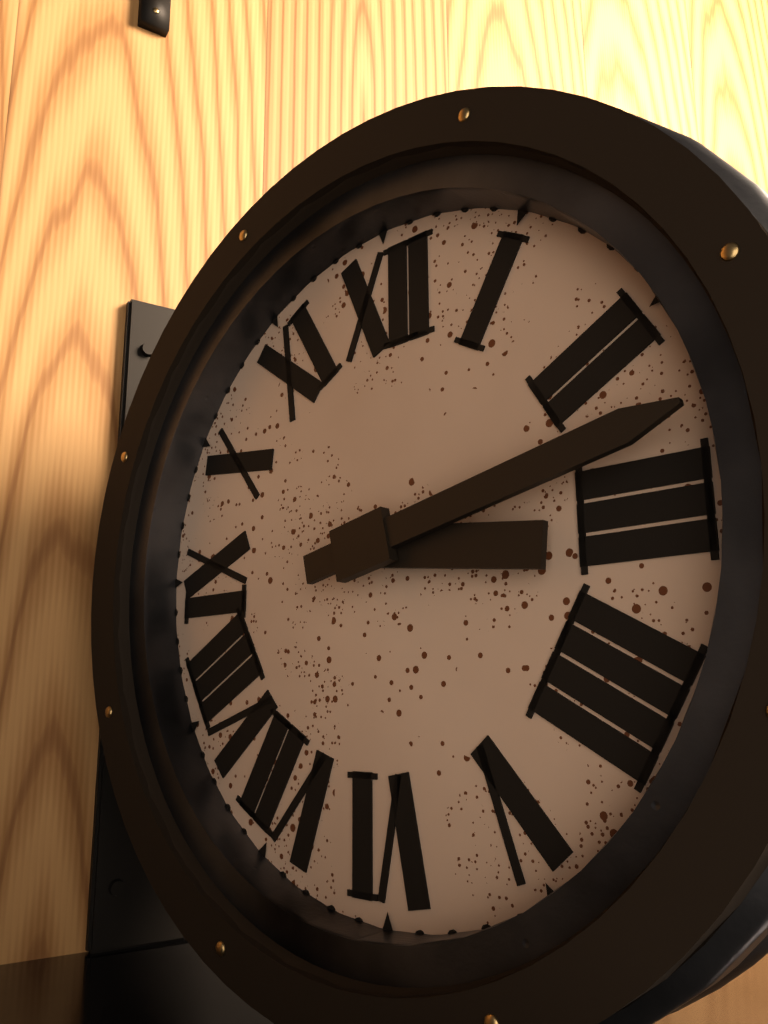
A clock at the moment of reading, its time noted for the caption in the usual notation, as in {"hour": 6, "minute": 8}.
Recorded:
{"hour": 3, "minute": 13}
